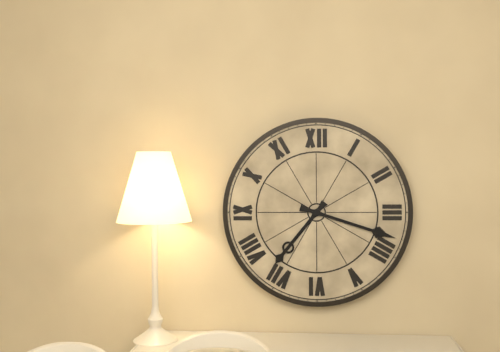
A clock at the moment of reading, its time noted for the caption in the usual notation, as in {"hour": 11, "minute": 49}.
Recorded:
{"hour": 7, "minute": 18}
